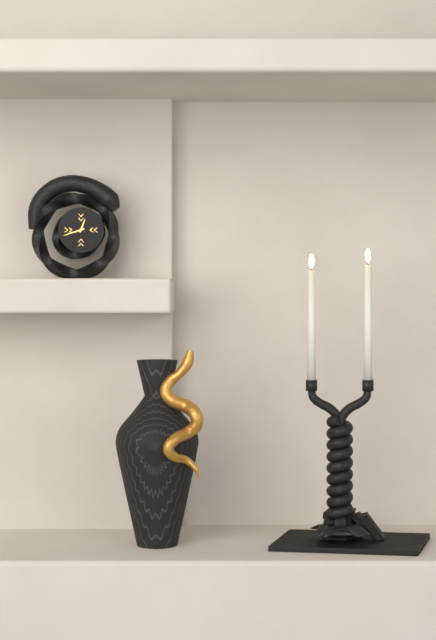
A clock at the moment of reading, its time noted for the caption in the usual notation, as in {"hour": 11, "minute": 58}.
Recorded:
{"hour": 12, "minute": 42}
